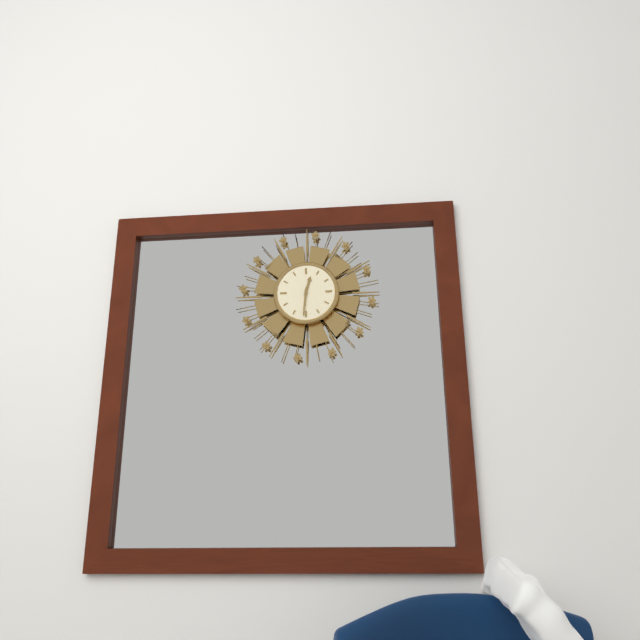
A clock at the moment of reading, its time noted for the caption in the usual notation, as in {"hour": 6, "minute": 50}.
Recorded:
{"hour": 12, "minute": 31}
